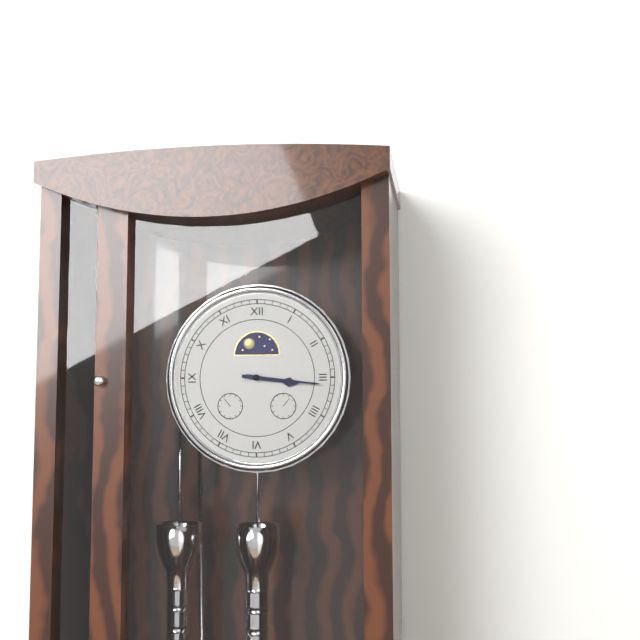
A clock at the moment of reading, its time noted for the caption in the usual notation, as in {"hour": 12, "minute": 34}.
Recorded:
{"hour": 3, "minute": 16}
